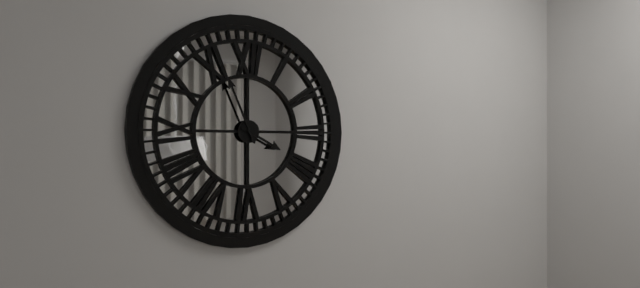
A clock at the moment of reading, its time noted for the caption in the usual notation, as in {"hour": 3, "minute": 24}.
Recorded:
{"hour": 3, "minute": 56}
